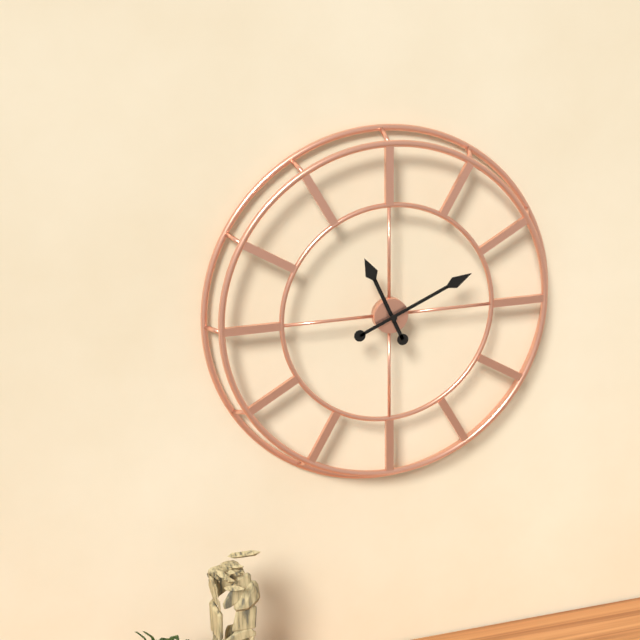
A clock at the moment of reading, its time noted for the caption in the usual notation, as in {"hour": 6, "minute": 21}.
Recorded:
{"hour": 11, "minute": 11}
